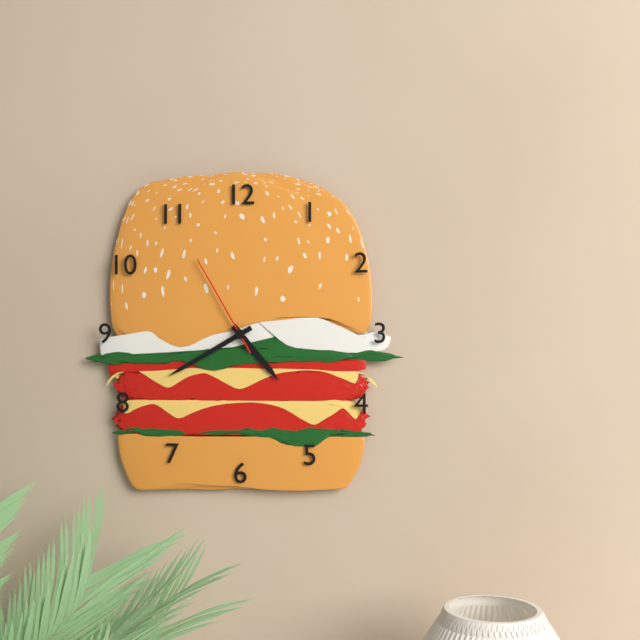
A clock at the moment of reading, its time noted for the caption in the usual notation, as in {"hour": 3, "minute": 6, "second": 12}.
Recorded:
{"hour": 4, "minute": 40, "second": 55}
